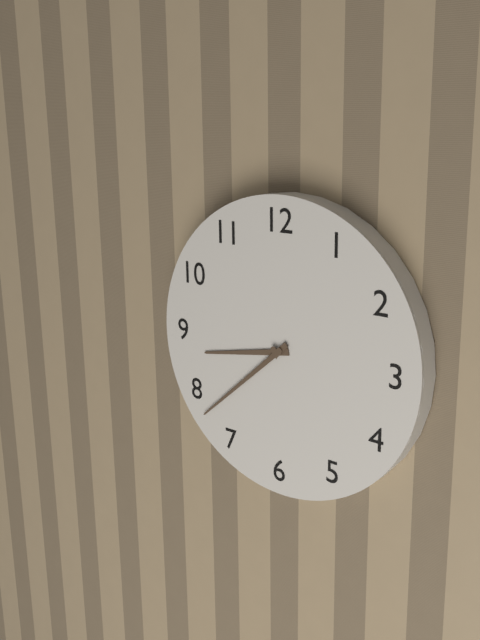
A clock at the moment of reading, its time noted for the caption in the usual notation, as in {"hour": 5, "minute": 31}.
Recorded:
{"hour": 8, "minute": 38}
